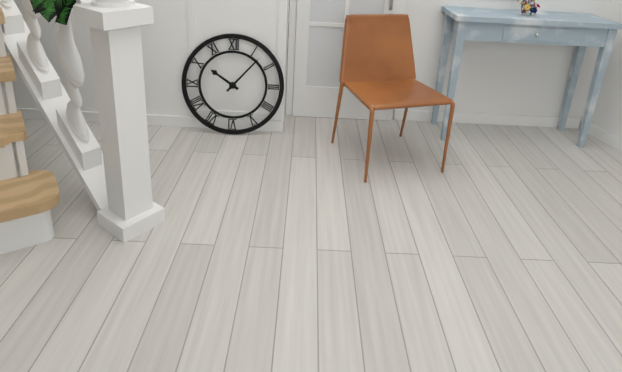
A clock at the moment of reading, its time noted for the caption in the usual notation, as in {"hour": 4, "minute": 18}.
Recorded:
{"hour": 10, "minute": 7}
